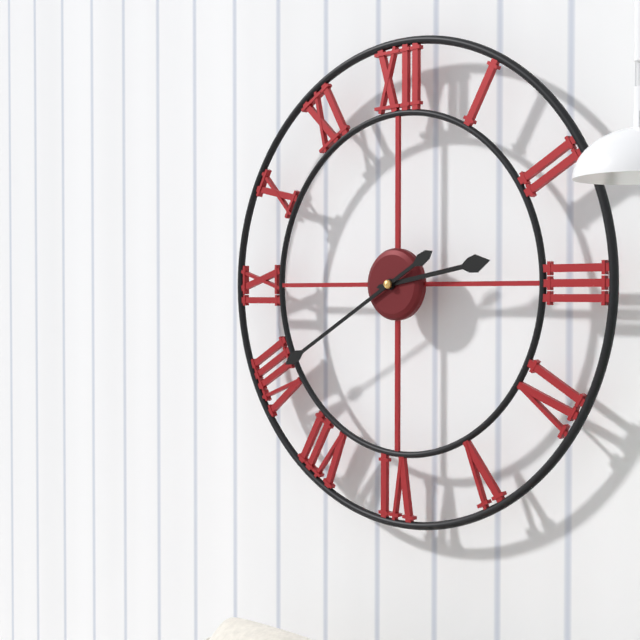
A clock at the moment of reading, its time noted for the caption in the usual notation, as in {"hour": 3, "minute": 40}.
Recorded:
{"hour": 2, "minute": 40}
